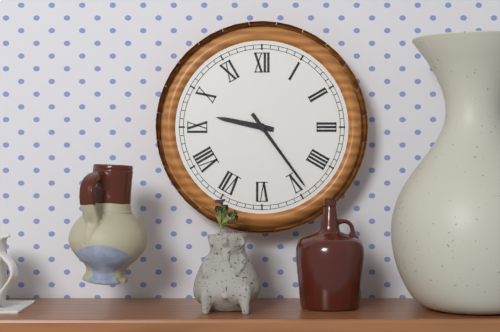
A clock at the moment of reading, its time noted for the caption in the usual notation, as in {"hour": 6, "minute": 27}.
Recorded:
{"hour": 9, "minute": 24}
